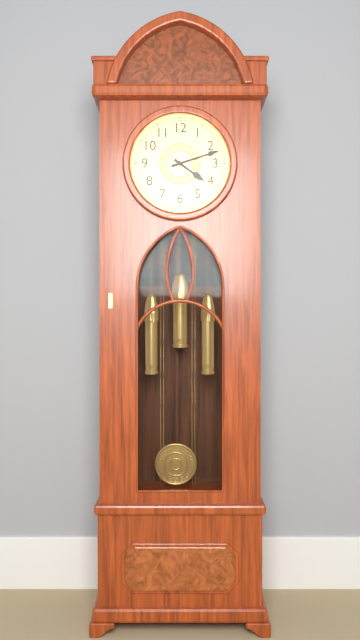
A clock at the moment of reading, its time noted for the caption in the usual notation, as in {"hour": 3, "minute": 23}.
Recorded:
{"hour": 4, "minute": 12}
